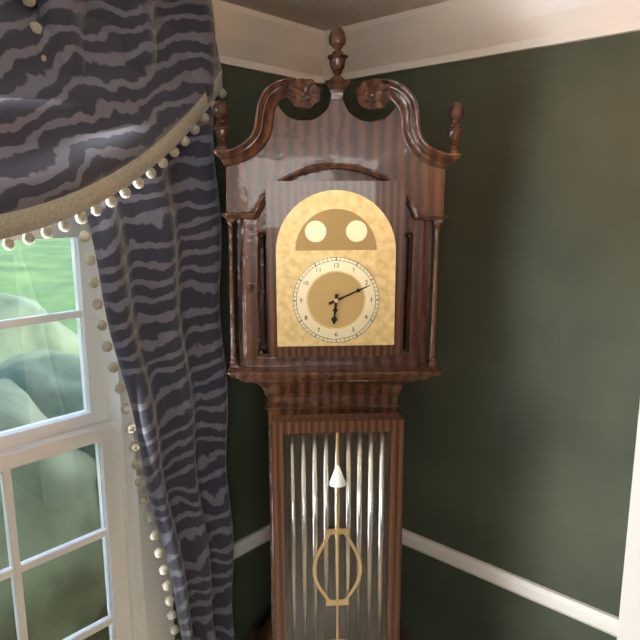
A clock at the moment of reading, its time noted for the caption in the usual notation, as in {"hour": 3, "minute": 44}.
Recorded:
{"hour": 6, "minute": 11}
